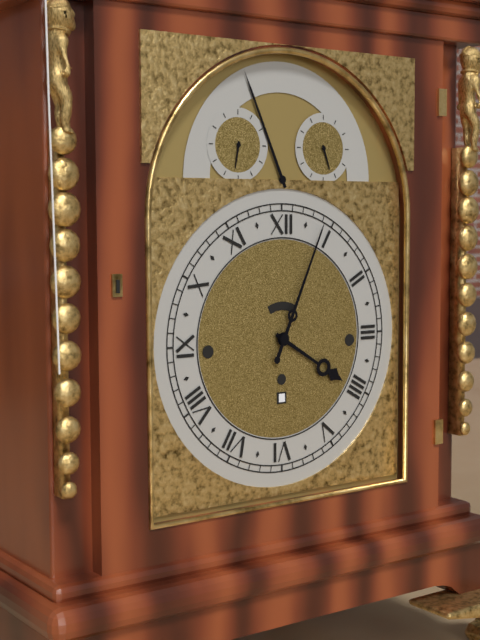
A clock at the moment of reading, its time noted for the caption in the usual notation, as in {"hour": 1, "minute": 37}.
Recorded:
{"hour": 4, "minute": 4}
